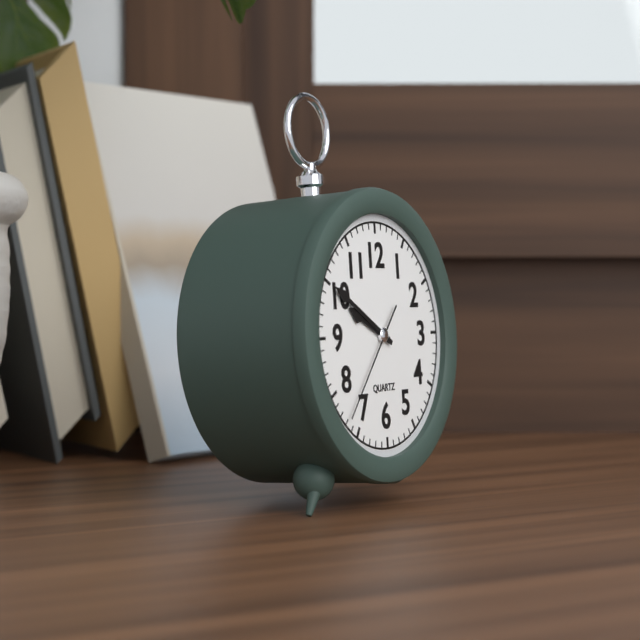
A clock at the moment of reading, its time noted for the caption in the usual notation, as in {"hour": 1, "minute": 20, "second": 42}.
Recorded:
{"hour": 9, "minute": 50, "second": 37}
